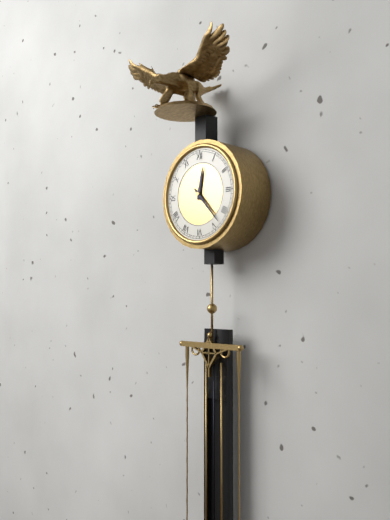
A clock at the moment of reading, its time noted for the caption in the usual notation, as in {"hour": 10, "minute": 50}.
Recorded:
{"hour": 12, "minute": 23}
